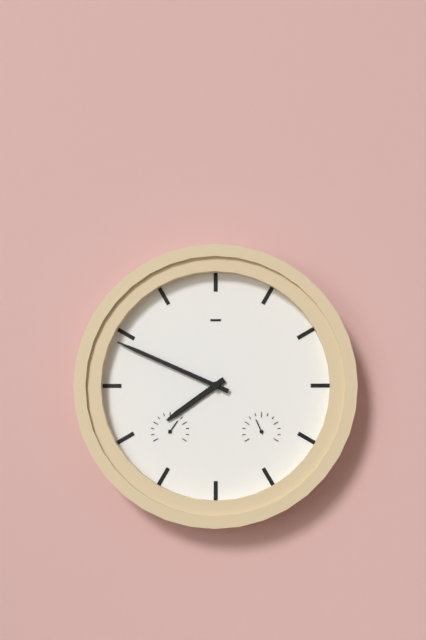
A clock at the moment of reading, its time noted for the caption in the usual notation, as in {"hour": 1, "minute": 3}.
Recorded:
{"hour": 7, "minute": 49}
